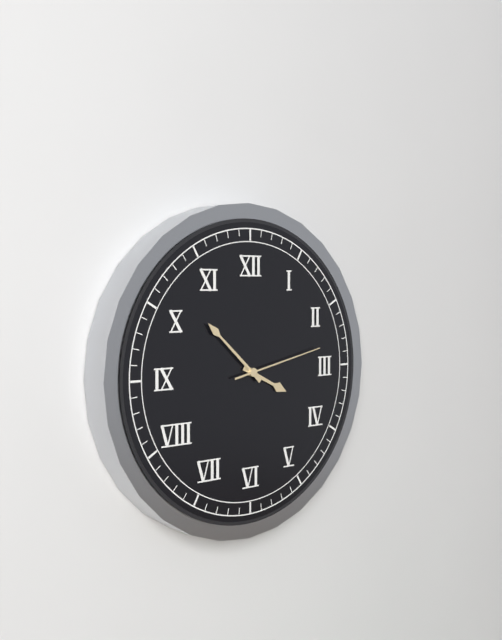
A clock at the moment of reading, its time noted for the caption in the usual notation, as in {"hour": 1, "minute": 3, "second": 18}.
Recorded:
{"hour": 3, "minute": 52, "second": 13}
